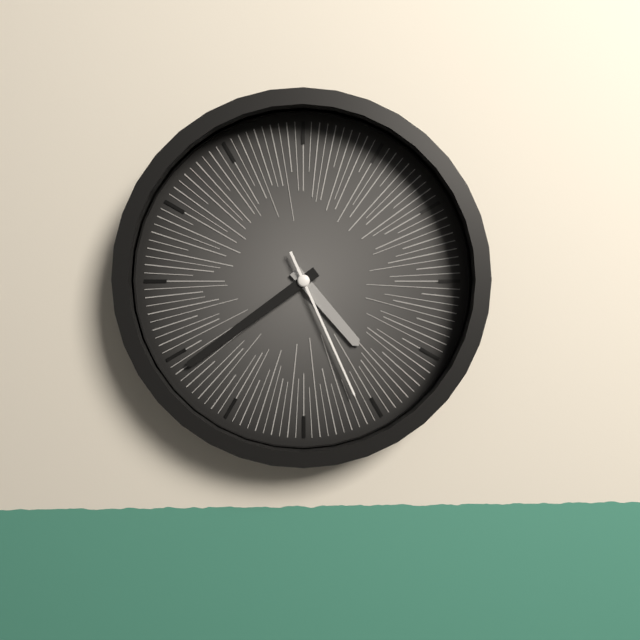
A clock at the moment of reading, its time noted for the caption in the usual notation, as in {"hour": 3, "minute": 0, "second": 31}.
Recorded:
{"hour": 4, "minute": 39, "second": 26}
